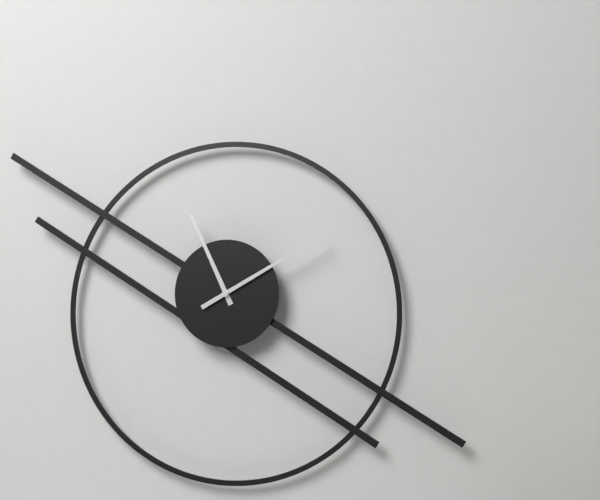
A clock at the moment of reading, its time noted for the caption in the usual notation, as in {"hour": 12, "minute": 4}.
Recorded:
{"hour": 11, "minute": 10}
